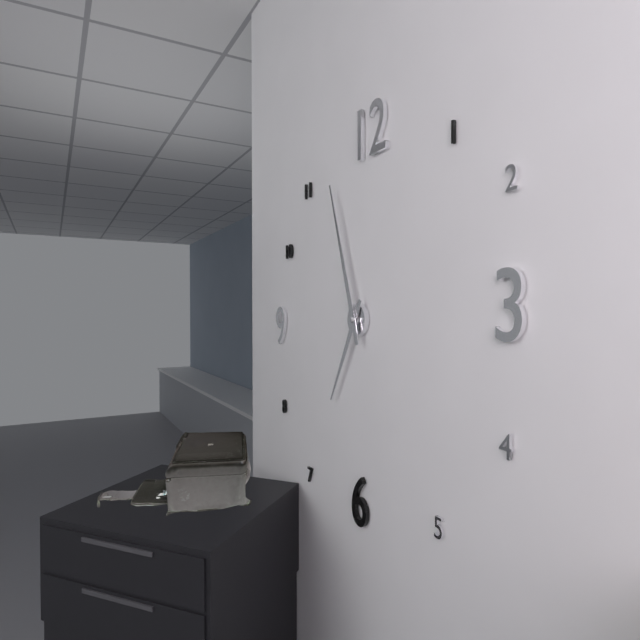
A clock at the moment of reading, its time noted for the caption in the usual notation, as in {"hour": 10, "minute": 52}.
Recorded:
{"hour": 6, "minute": 57}
